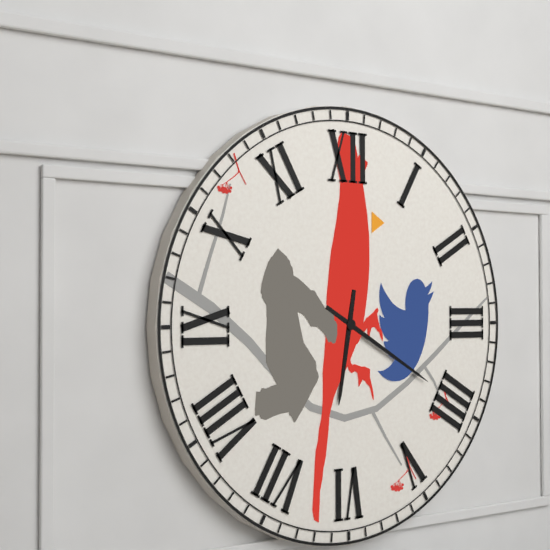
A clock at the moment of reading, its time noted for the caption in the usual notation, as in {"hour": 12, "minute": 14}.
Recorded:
{"hour": 6, "minute": 20}
